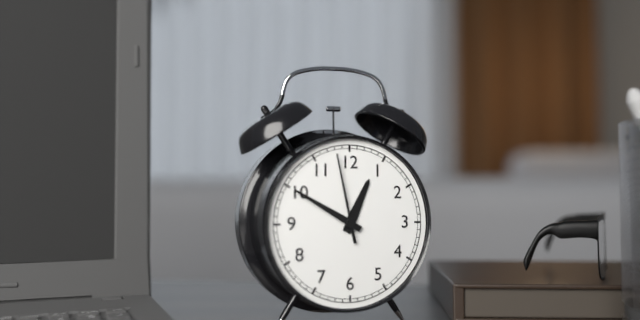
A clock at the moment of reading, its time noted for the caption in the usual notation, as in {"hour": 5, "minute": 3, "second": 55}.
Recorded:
{"hour": 12, "minute": 50, "second": 58}
